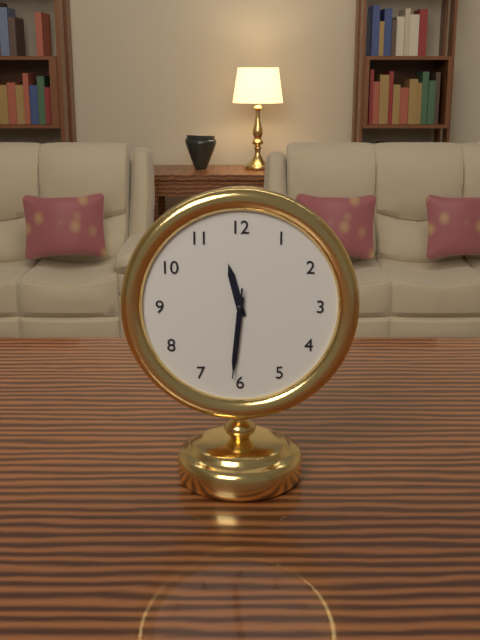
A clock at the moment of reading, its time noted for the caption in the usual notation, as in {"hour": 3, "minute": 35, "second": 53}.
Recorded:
{"hour": 11, "minute": 31, "second": 31}
